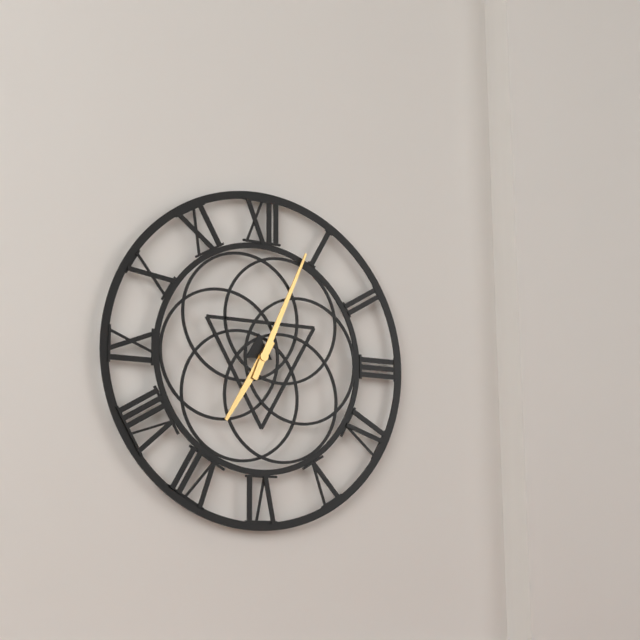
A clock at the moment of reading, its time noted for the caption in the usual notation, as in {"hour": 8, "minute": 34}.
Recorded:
{"hour": 7, "minute": 4}
